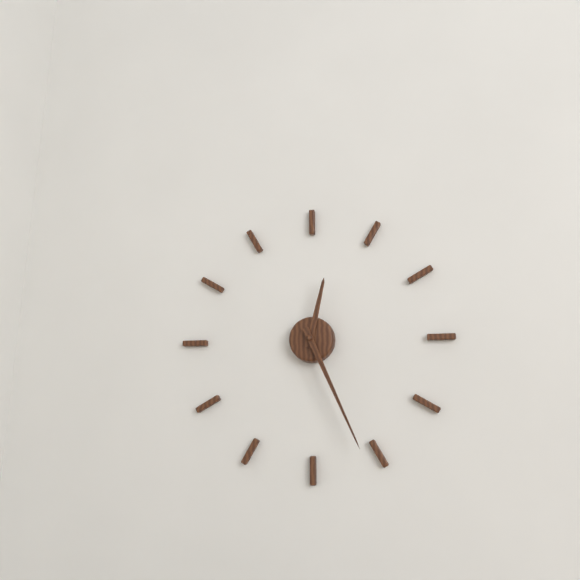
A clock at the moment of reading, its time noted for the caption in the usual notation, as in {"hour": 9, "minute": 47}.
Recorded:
{"hour": 12, "minute": 26}
